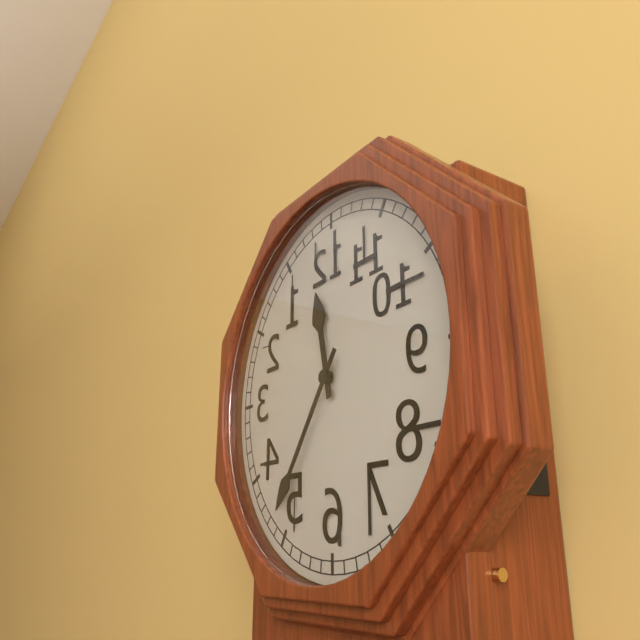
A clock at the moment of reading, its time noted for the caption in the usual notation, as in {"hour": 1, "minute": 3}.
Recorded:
{"hour": 11, "minute": 36}
